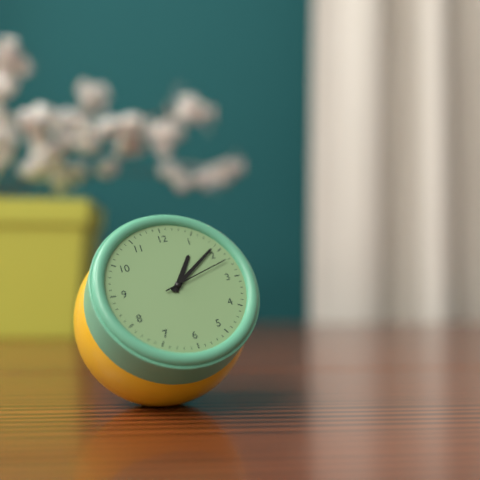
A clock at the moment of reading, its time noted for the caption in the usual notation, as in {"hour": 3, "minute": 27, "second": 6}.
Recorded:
{"hour": 1, "minute": 9, "second": 12}
